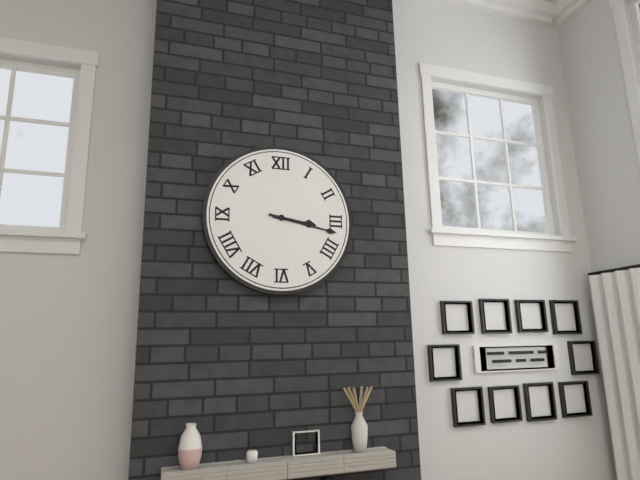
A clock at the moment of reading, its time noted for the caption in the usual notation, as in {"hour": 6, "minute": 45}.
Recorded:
{"hour": 3, "minute": 17}
